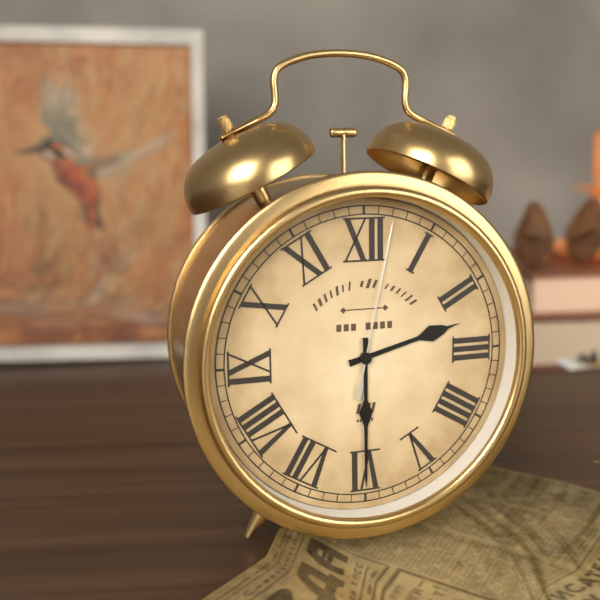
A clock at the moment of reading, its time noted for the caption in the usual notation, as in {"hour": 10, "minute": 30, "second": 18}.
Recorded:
{"hour": 2, "minute": 30, "second": 2}
